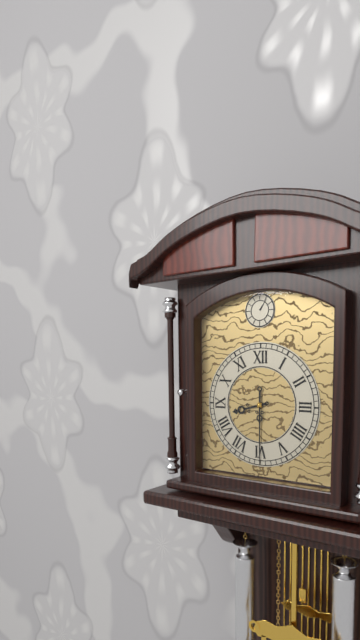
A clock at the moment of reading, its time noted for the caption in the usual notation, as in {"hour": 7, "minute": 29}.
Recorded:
{"hour": 8, "minute": 30}
